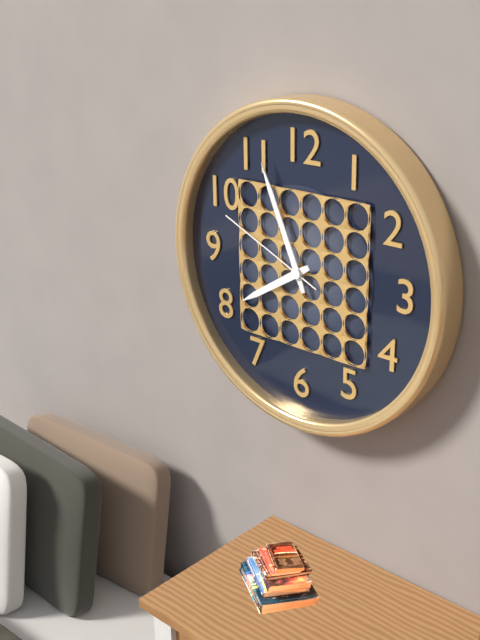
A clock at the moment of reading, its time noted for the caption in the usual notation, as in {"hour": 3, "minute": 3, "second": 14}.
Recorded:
{"hour": 7, "minute": 56, "second": 49}
